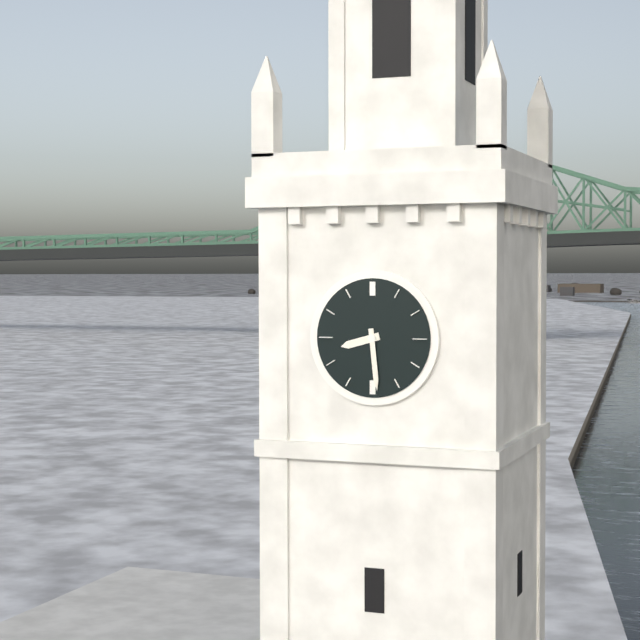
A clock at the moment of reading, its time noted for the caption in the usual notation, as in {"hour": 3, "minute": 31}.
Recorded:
{"hour": 8, "minute": 29}
